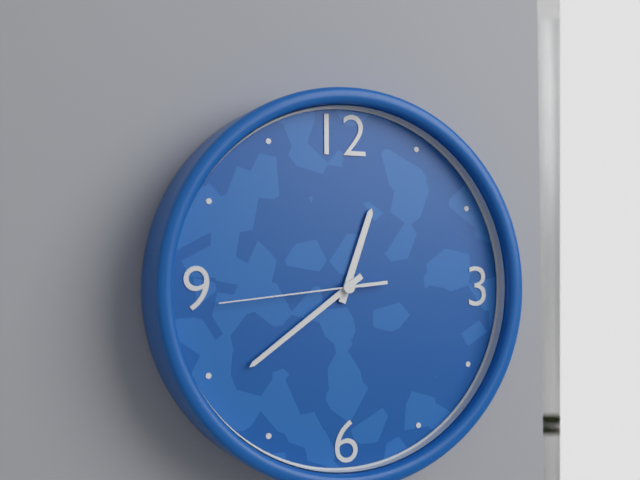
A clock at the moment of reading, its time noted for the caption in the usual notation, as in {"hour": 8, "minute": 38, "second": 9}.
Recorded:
{"hour": 12, "minute": 39, "second": 44}
